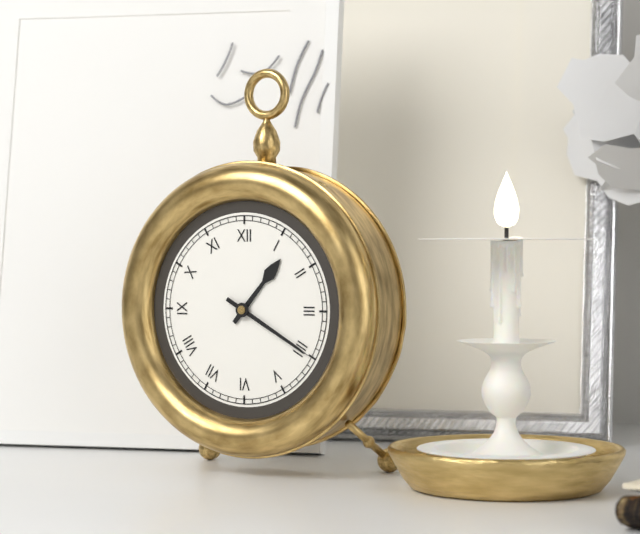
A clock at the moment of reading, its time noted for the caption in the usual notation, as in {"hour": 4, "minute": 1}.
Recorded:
{"hour": 1, "minute": 20}
